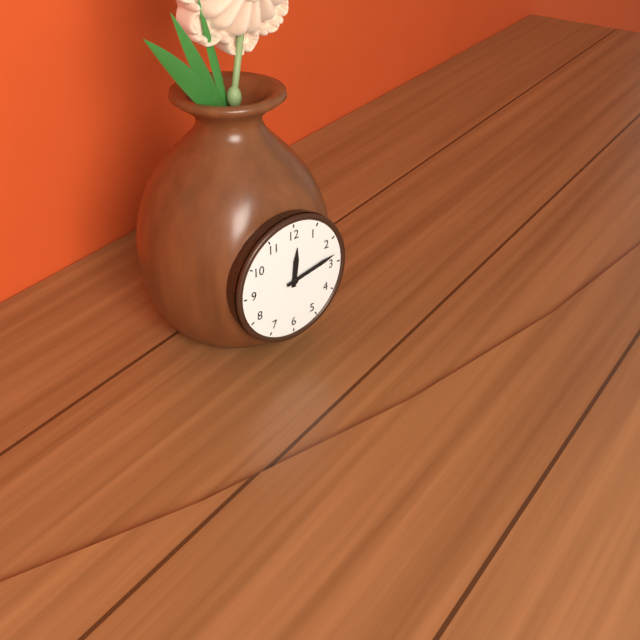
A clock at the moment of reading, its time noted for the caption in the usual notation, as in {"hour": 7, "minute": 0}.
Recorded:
{"hour": 12, "minute": 13}
